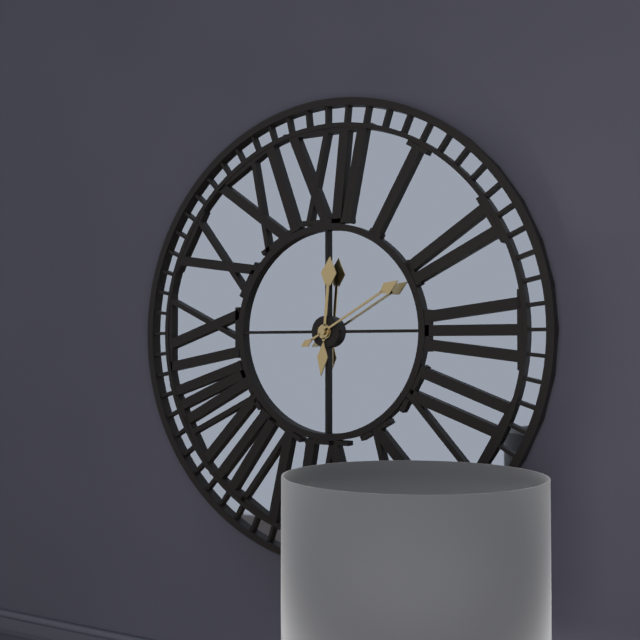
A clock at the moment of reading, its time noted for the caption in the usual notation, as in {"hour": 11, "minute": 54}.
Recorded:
{"hour": 12, "minute": 10}
